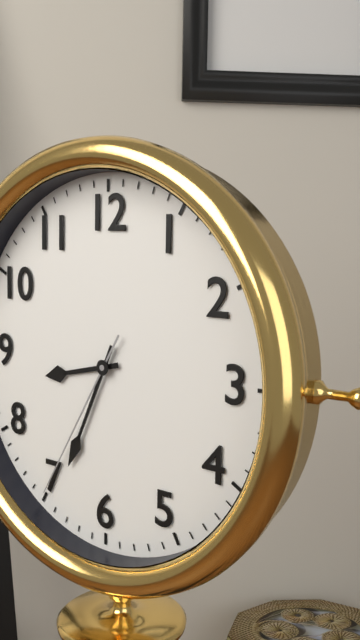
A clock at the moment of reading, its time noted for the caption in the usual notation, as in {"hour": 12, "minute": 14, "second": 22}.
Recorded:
{"hour": 8, "minute": 34, "second": 35}
